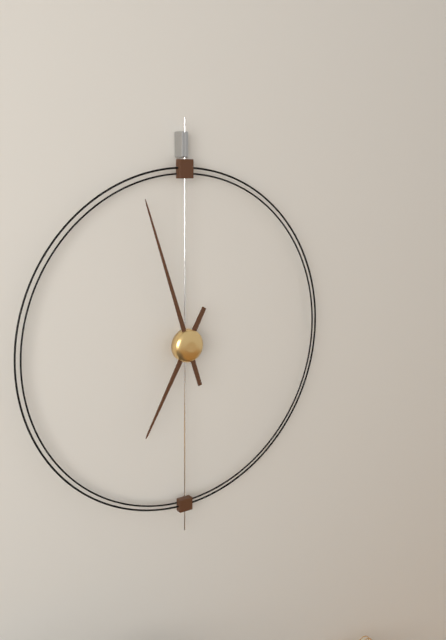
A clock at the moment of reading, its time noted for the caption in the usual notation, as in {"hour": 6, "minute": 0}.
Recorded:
{"hour": 6, "minute": 57}
